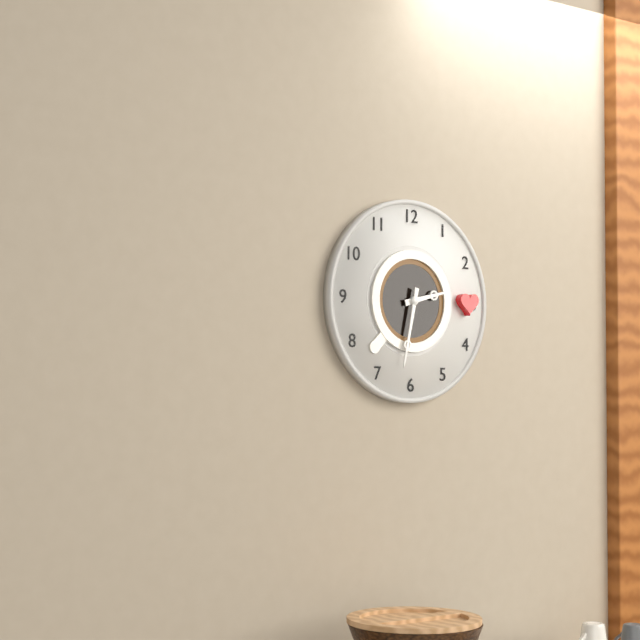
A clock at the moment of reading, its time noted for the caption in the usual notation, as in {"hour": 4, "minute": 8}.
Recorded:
{"hour": 2, "minute": 32}
